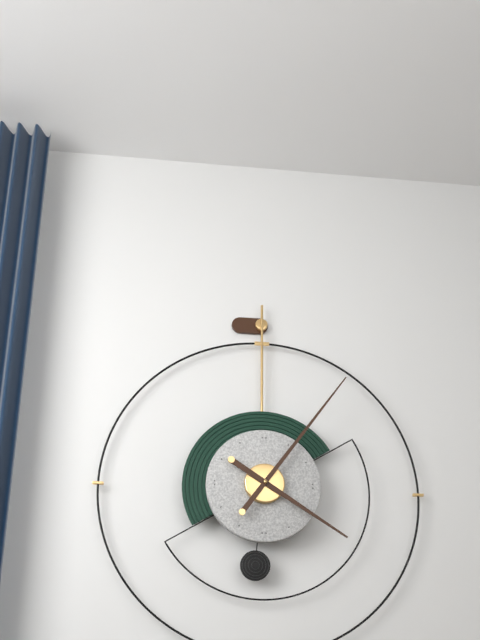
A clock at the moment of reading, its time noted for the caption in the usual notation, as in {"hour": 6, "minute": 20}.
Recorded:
{"hour": 4, "minute": 6}
